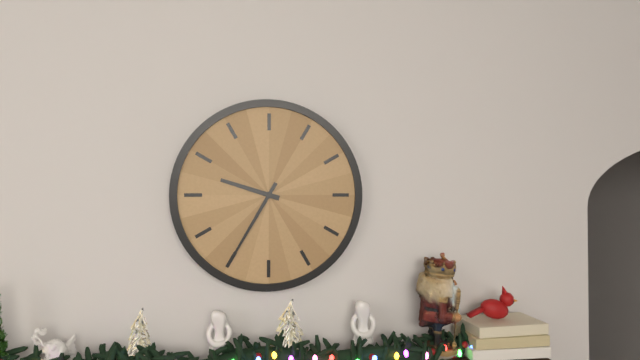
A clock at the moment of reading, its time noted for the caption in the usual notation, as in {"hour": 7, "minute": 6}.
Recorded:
{"hour": 9, "minute": 35}
